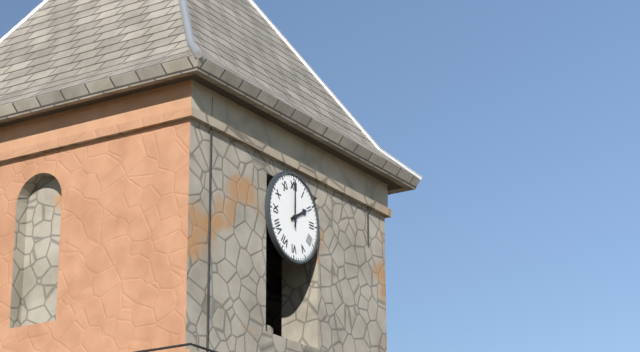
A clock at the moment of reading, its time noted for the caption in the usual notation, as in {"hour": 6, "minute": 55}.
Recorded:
{"hour": 2, "minute": 0}
